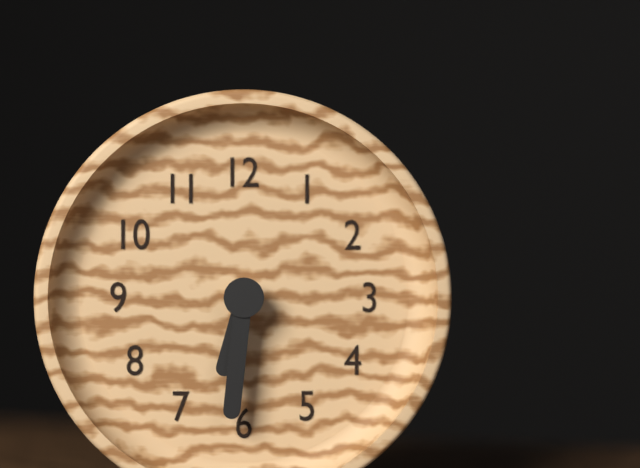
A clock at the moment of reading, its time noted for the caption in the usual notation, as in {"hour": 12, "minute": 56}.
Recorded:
{"hour": 6, "minute": 31}
